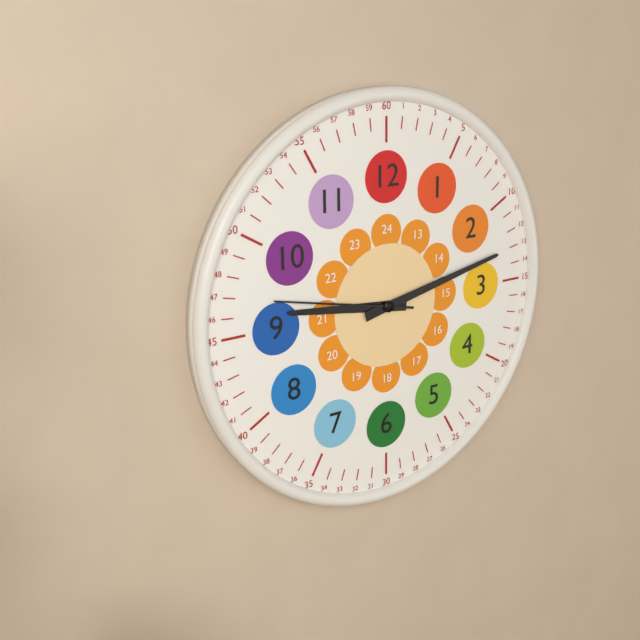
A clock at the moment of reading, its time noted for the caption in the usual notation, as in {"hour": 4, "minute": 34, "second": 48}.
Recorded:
{"hour": 9, "minute": 13, "second": 47}
